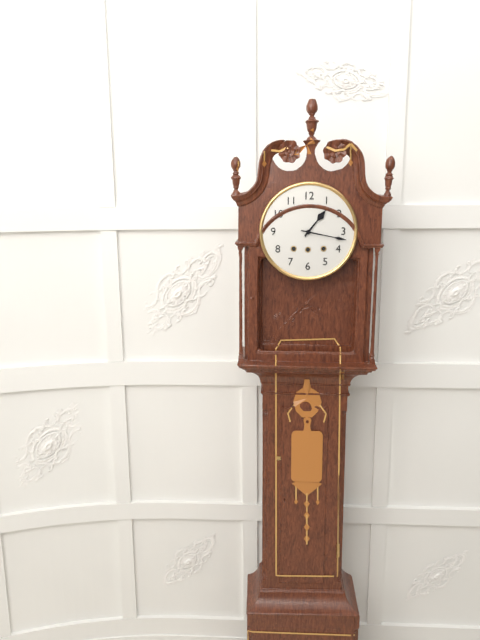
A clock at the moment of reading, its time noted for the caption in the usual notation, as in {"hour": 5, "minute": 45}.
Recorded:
{"hour": 1, "minute": 17}
